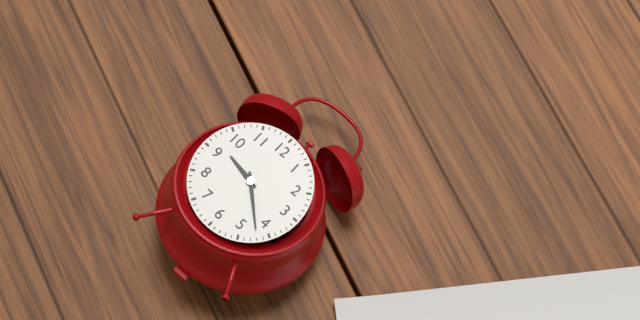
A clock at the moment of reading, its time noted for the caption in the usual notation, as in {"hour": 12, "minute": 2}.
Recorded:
{"hour": 9, "minute": 22}
